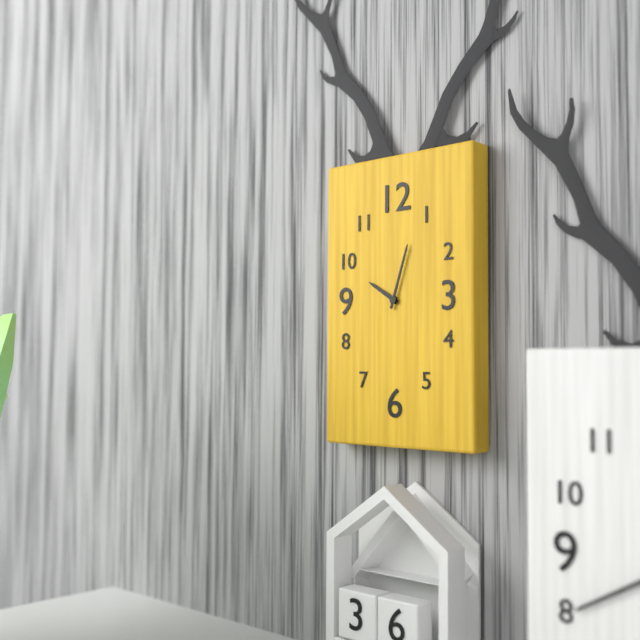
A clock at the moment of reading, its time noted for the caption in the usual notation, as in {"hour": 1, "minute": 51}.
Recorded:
{"hour": 10, "minute": 3}
